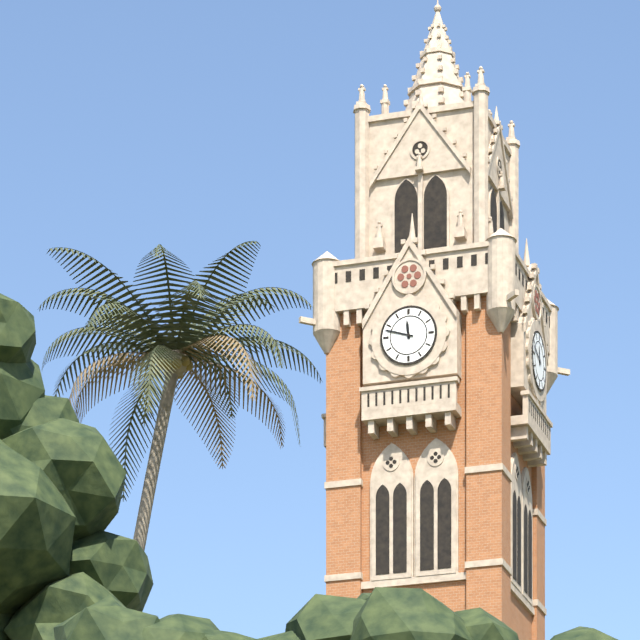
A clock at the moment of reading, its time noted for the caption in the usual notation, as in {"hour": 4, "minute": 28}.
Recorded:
{"hour": 11, "minute": 48}
